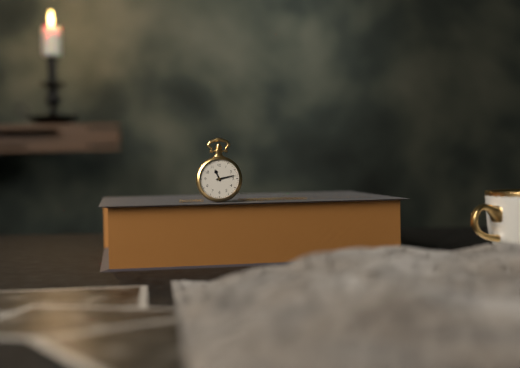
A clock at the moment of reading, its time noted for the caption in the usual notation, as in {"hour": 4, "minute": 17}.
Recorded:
{"hour": 11, "minute": 13}
